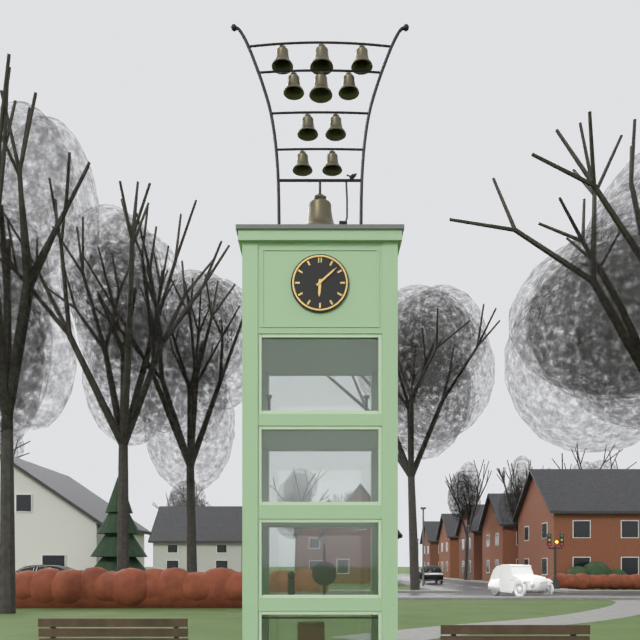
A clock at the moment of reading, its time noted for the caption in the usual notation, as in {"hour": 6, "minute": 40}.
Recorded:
{"hour": 6, "minute": 8}
